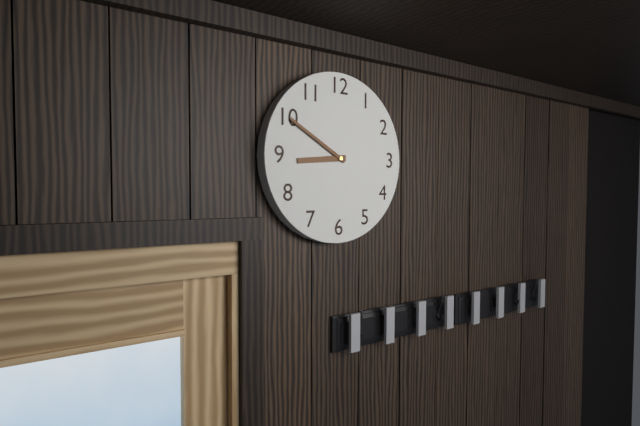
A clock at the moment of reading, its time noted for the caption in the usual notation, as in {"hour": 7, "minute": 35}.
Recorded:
{"hour": 8, "minute": 50}
